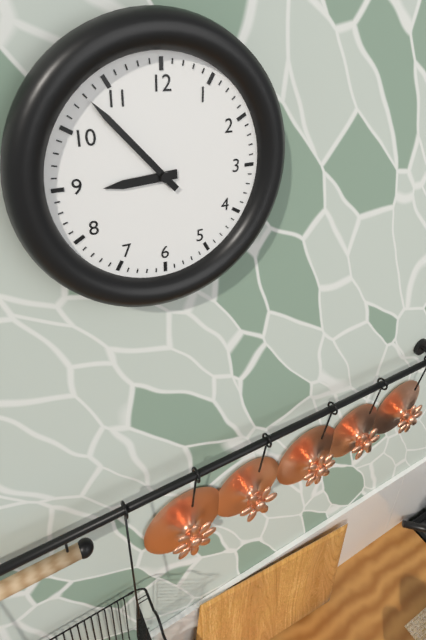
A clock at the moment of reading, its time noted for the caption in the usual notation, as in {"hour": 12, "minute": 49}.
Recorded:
{"hour": 8, "minute": 53}
